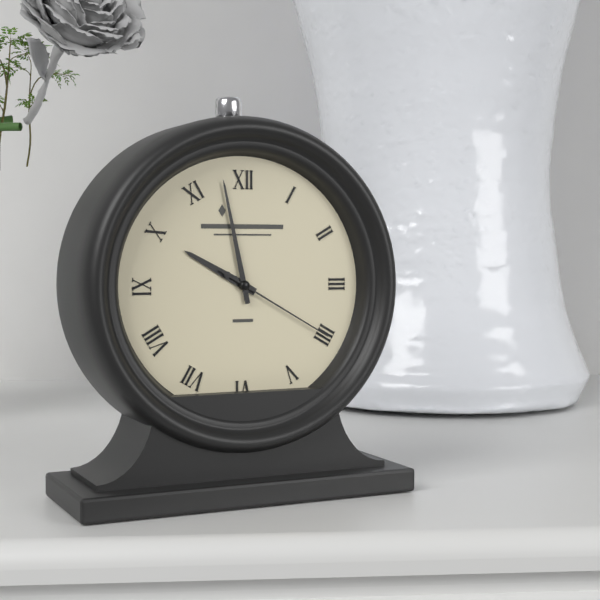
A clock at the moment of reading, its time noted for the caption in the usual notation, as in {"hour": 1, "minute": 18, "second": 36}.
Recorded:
{"hour": 9, "minute": 58, "second": 20}
